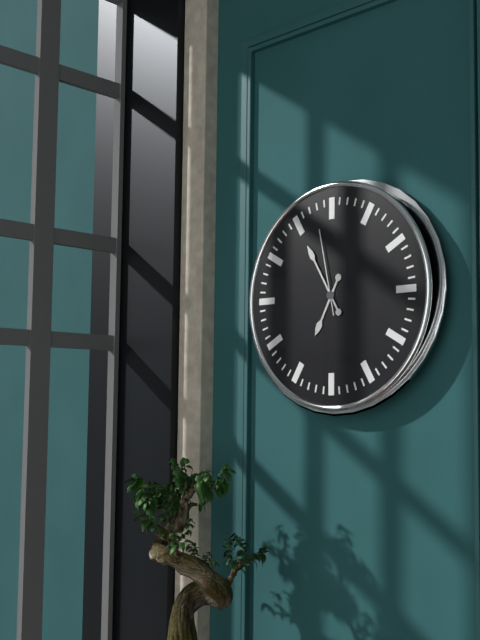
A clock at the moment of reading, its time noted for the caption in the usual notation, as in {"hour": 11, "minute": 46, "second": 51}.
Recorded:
{"hour": 6, "minute": 55, "second": 58}
